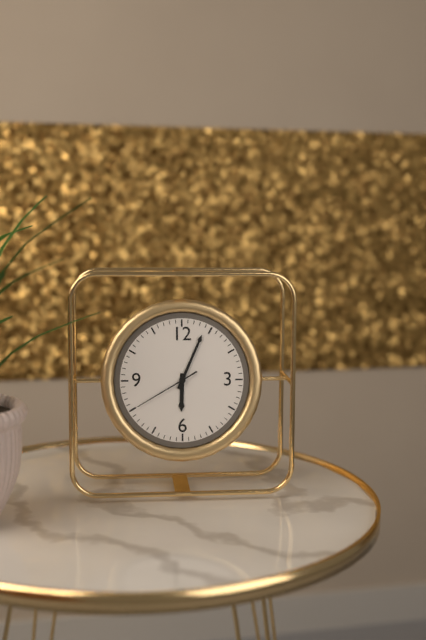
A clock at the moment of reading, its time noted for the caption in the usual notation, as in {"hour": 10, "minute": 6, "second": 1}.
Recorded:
{"hour": 6, "minute": 4, "second": 40}
